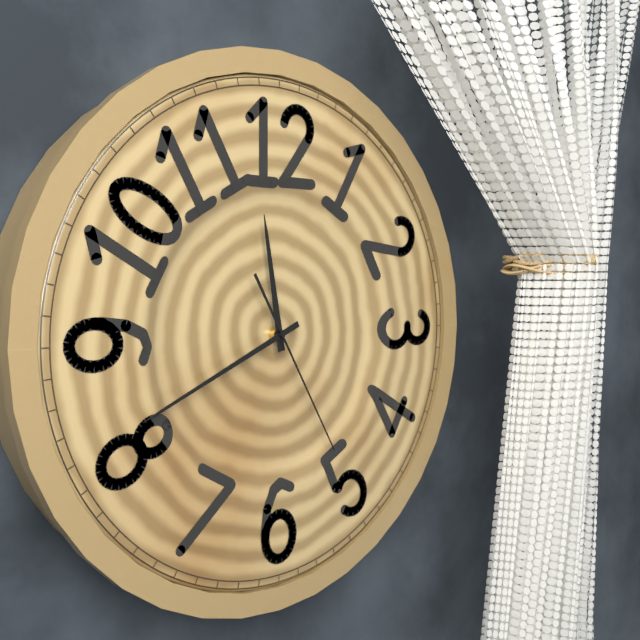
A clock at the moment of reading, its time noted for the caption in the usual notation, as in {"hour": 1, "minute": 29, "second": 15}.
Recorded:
{"hour": 11, "minute": 41, "second": 25}
